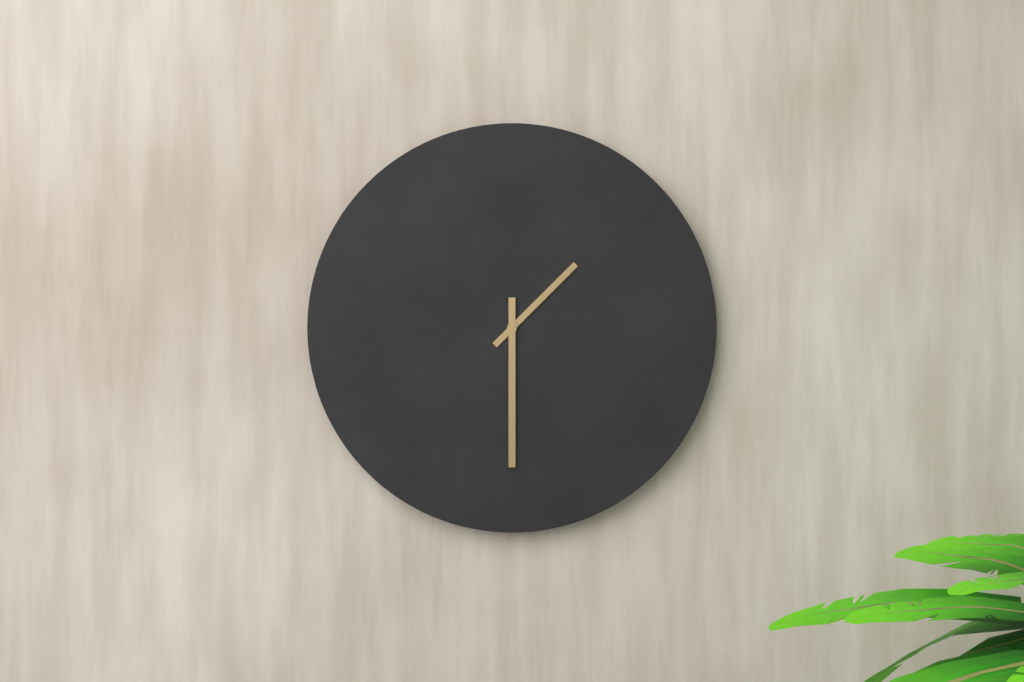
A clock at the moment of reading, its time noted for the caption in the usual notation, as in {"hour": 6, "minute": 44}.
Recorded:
{"hour": 1, "minute": 30}
